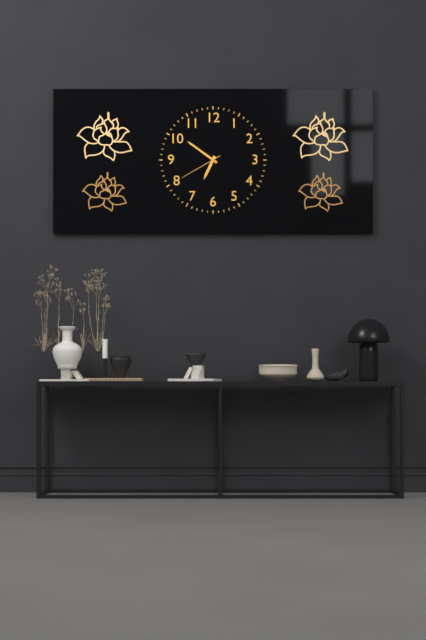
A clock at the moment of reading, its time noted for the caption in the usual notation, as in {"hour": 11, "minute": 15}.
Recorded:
{"hour": 6, "minute": 51}
